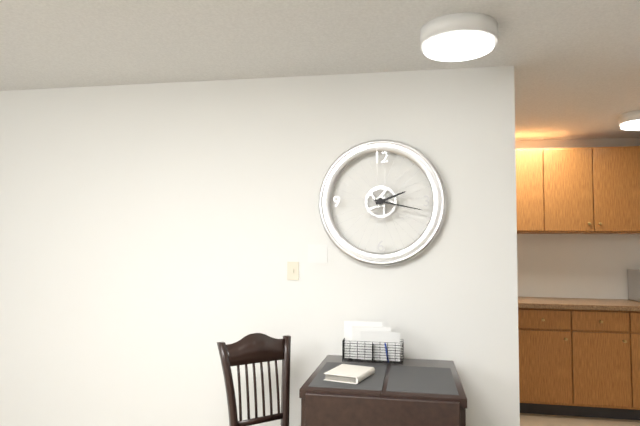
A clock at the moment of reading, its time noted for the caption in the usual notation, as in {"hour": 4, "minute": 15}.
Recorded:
{"hour": 2, "minute": 17}
